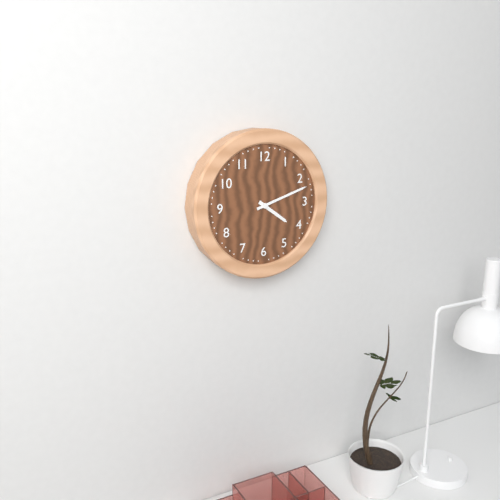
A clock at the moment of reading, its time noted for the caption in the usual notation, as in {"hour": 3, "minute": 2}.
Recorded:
{"hour": 4, "minute": 12}
